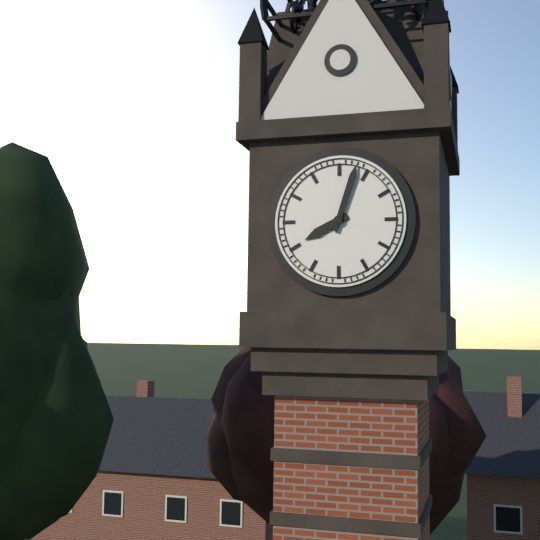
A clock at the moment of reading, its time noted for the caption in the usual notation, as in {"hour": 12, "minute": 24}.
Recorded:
{"hour": 8, "minute": 3}
